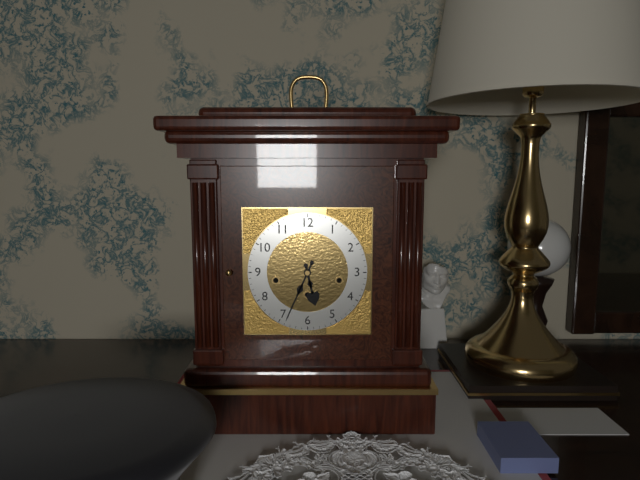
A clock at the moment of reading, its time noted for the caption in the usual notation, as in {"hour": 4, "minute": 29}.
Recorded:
{"hour": 5, "minute": 34}
